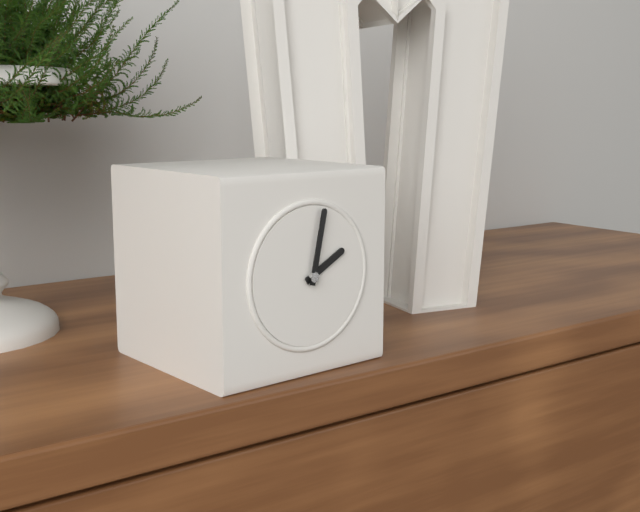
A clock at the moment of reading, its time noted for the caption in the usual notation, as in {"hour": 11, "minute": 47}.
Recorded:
{"hour": 2, "minute": 2}
